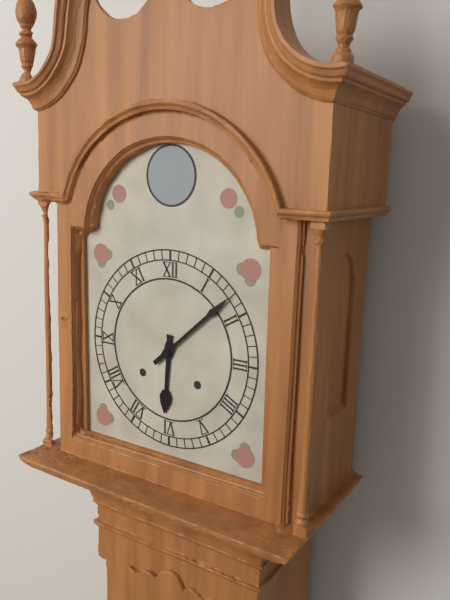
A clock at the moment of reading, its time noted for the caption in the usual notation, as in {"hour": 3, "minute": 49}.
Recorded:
{"hour": 6, "minute": 8}
